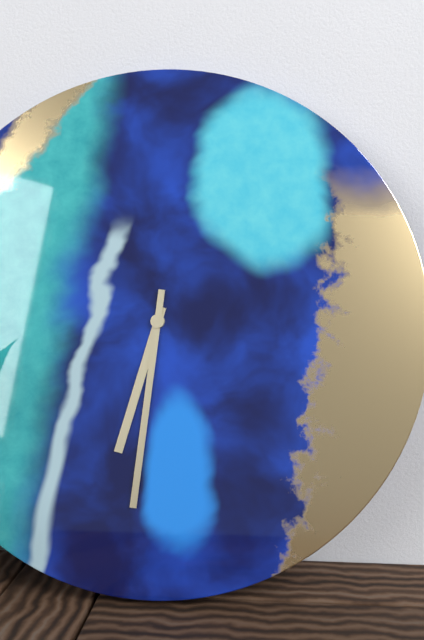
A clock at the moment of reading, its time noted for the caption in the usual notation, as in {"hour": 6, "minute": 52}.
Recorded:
{"hour": 6, "minute": 31}
